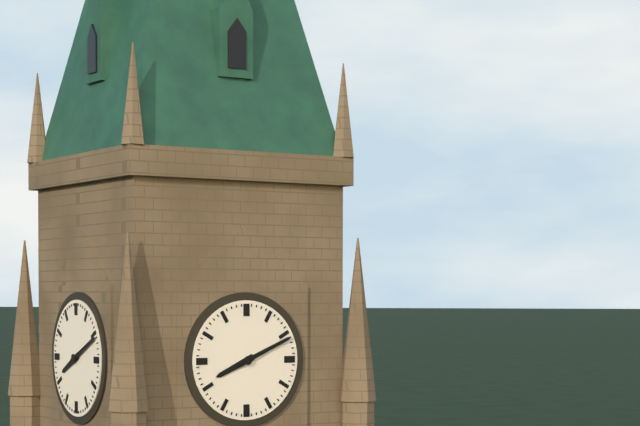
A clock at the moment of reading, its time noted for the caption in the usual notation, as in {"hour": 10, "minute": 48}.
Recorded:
{"hour": 8, "minute": 11}
